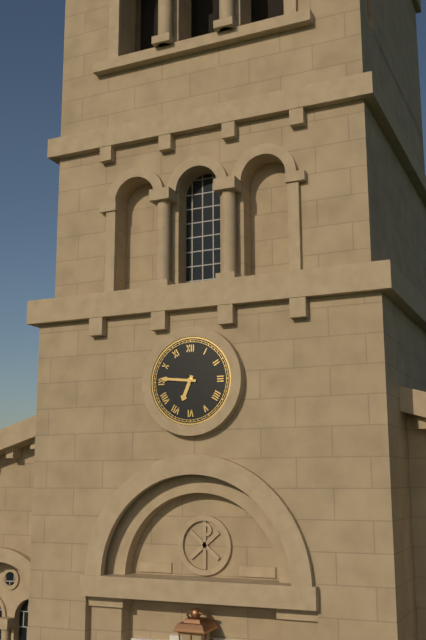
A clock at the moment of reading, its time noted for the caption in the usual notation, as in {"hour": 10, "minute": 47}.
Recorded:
{"hour": 6, "minute": 46}
